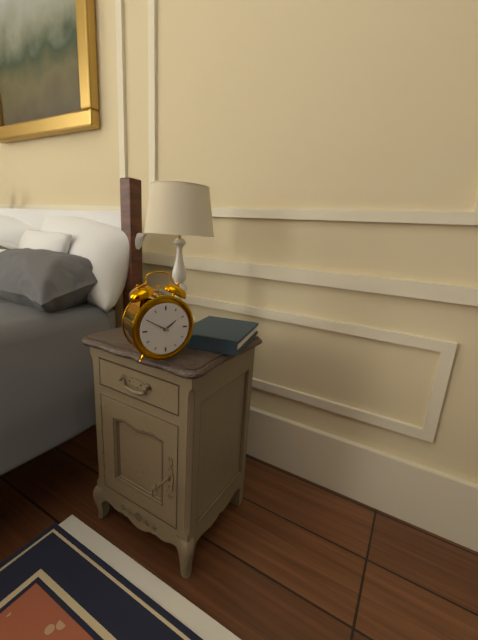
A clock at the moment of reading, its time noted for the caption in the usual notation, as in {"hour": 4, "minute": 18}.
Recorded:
{"hour": 1, "minute": 50}
